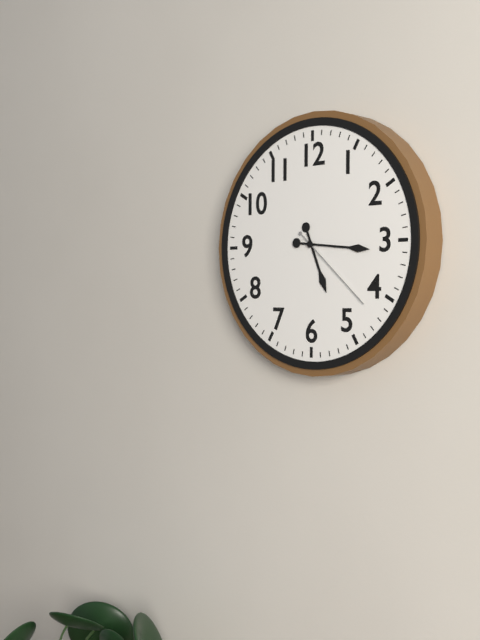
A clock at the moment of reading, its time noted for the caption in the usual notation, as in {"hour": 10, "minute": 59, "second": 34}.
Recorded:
{"hour": 5, "minute": 16, "second": 22}
